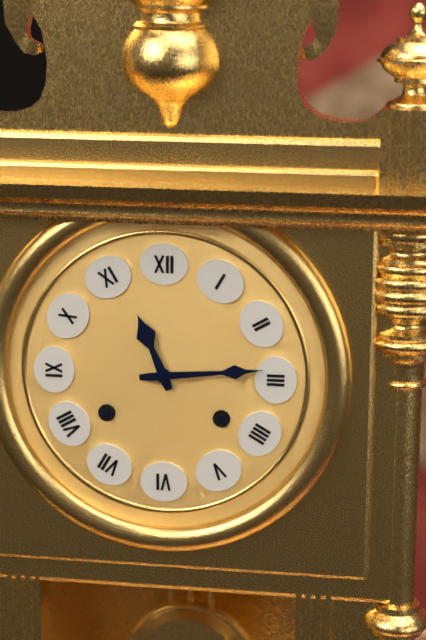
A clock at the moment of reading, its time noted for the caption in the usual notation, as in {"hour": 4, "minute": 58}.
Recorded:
{"hour": 11, "minute": 14}
